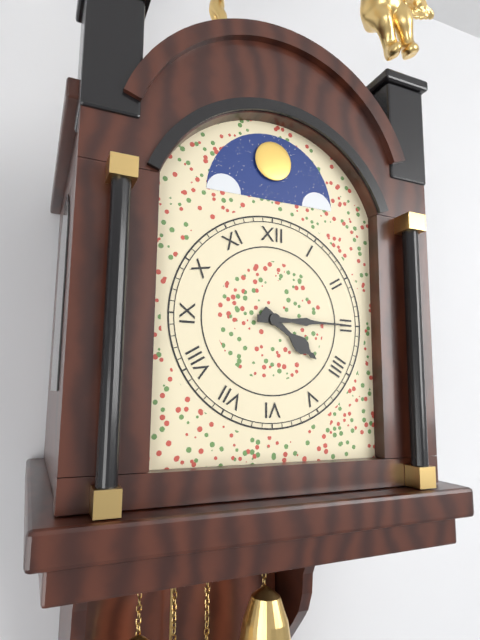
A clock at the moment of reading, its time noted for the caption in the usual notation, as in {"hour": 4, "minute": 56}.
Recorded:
{"hour": 4, "minute": 15}
